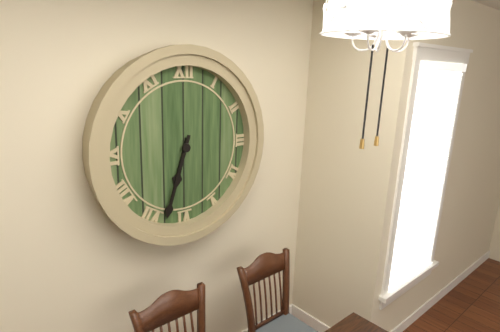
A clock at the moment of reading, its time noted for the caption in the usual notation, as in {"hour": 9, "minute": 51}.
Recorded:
{"hour": 6, "minute": 33}
